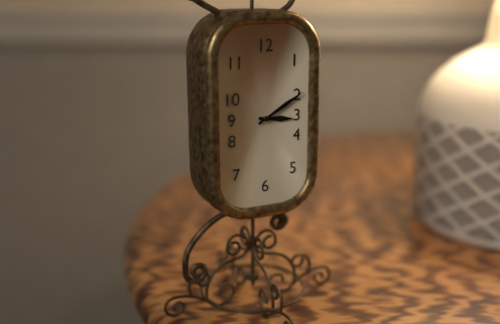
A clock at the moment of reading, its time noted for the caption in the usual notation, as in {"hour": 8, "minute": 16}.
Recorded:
{"hour": 3, "minute": 10}
